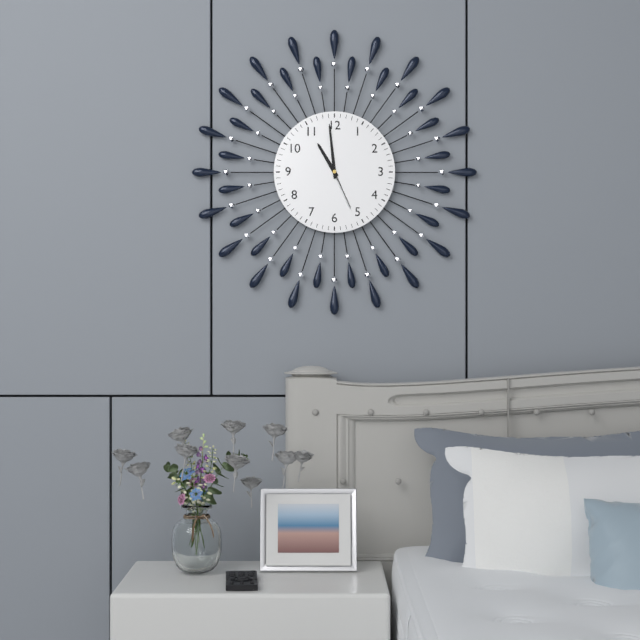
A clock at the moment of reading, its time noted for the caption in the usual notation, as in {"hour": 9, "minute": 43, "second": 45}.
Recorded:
{"hour": 10, "minute": 59, "second": 26}
